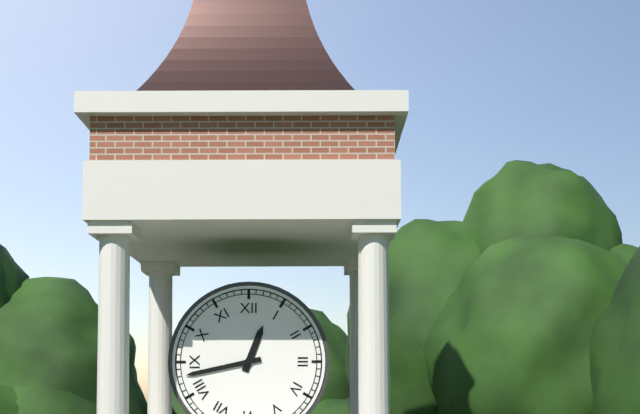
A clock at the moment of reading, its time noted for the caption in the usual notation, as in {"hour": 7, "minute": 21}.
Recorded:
{"hour": 12, "minute": 43}
